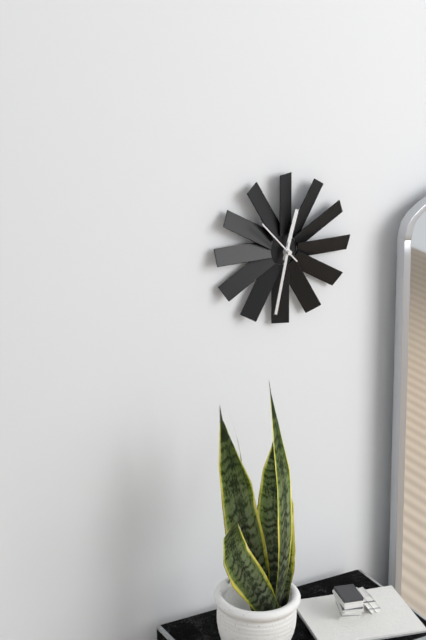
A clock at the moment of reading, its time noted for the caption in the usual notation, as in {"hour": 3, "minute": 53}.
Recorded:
{"hour": 12, "minute": 32}
